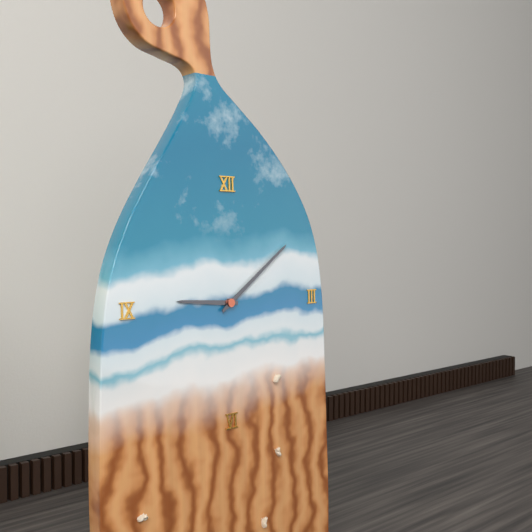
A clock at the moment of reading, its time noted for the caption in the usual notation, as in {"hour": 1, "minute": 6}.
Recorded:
{"hour": 9, "minute": 9}
